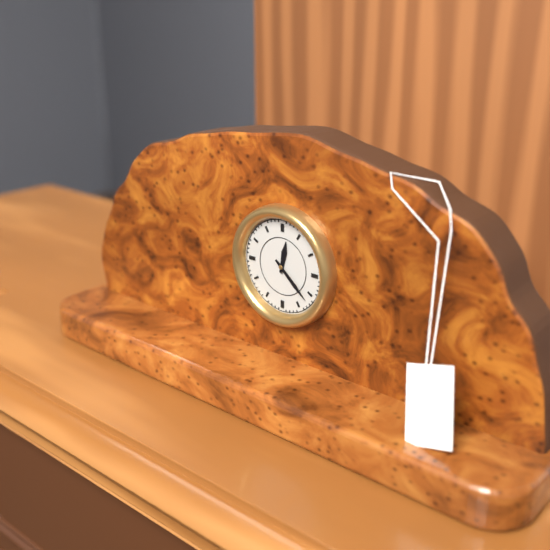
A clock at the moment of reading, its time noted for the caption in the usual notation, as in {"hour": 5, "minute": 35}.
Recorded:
{"hour": 12, "minute": 22}
